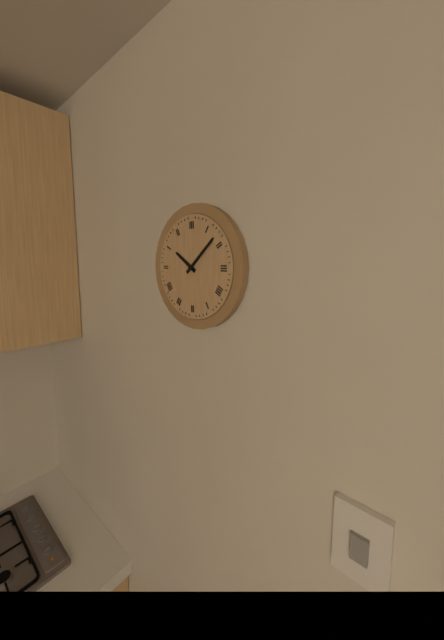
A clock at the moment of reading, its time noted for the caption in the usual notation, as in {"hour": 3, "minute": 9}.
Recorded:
{"hour": 10, "minute": 8}
